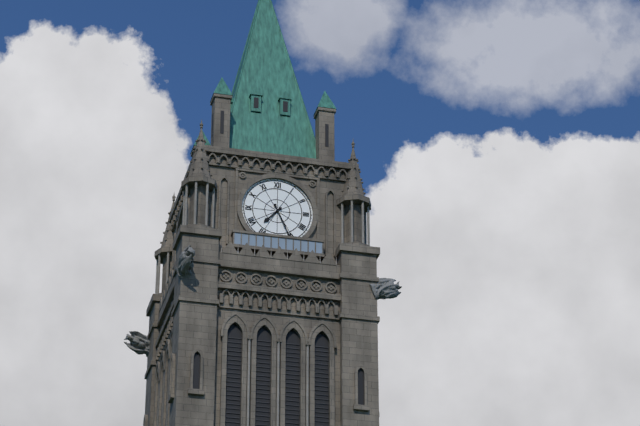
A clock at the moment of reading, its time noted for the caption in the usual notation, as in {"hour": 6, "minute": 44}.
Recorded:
{"hour": 7, "minute": 26}
